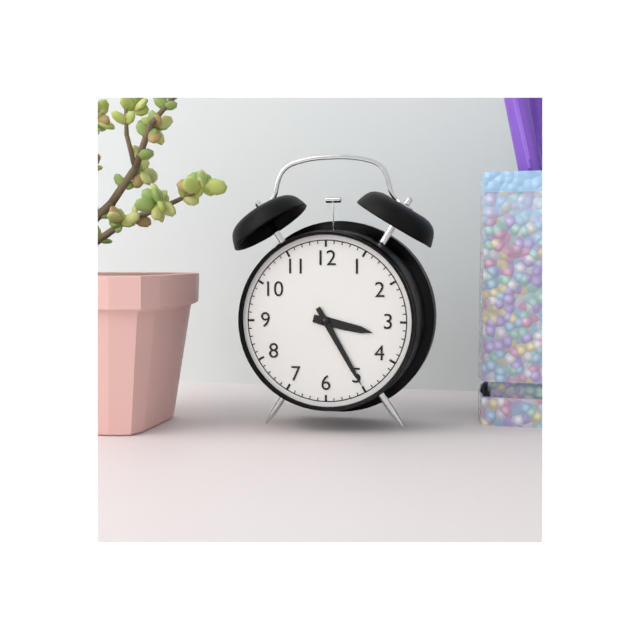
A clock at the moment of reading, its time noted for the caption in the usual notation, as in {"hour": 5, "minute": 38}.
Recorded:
{"hour": 3, "minute": 25}
